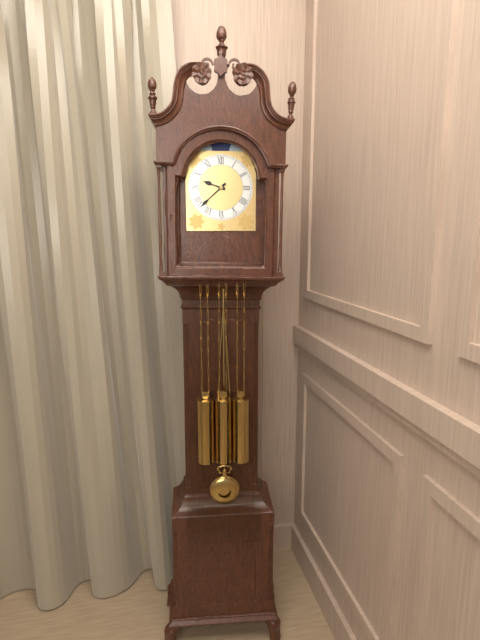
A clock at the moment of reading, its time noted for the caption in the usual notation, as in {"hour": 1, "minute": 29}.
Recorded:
{"hour": 9, "minute": 38}
